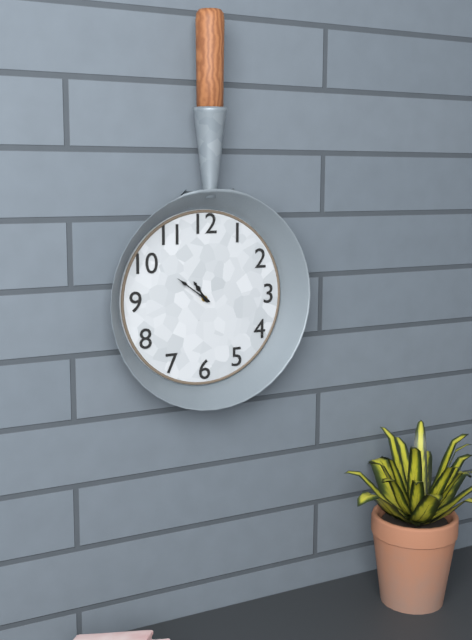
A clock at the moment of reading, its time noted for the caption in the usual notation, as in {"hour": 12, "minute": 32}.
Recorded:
{"hour": 10, "minute": 51}
